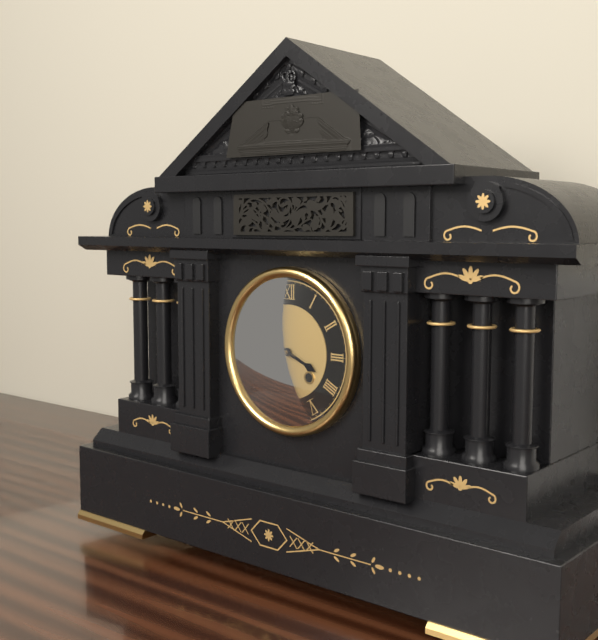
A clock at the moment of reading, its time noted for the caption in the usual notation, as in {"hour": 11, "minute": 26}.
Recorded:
{"hour": 3, "minute": 49}
